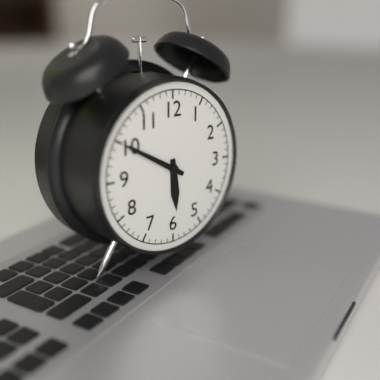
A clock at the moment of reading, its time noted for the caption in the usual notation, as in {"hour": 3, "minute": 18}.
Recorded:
{"hour": 5, "minute": 50}
